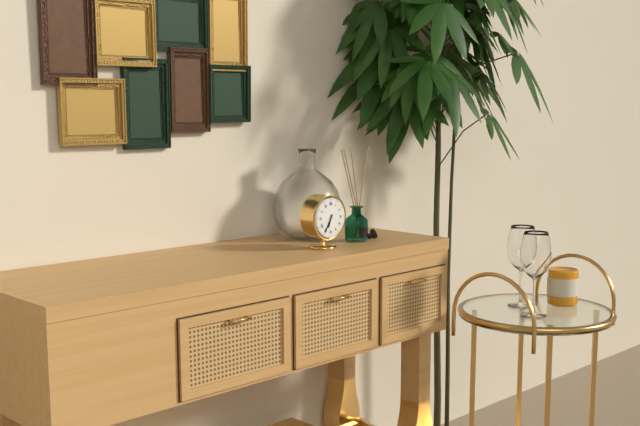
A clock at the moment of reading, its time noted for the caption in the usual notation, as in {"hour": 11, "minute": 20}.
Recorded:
{"hour": 6, "minute": 35}
